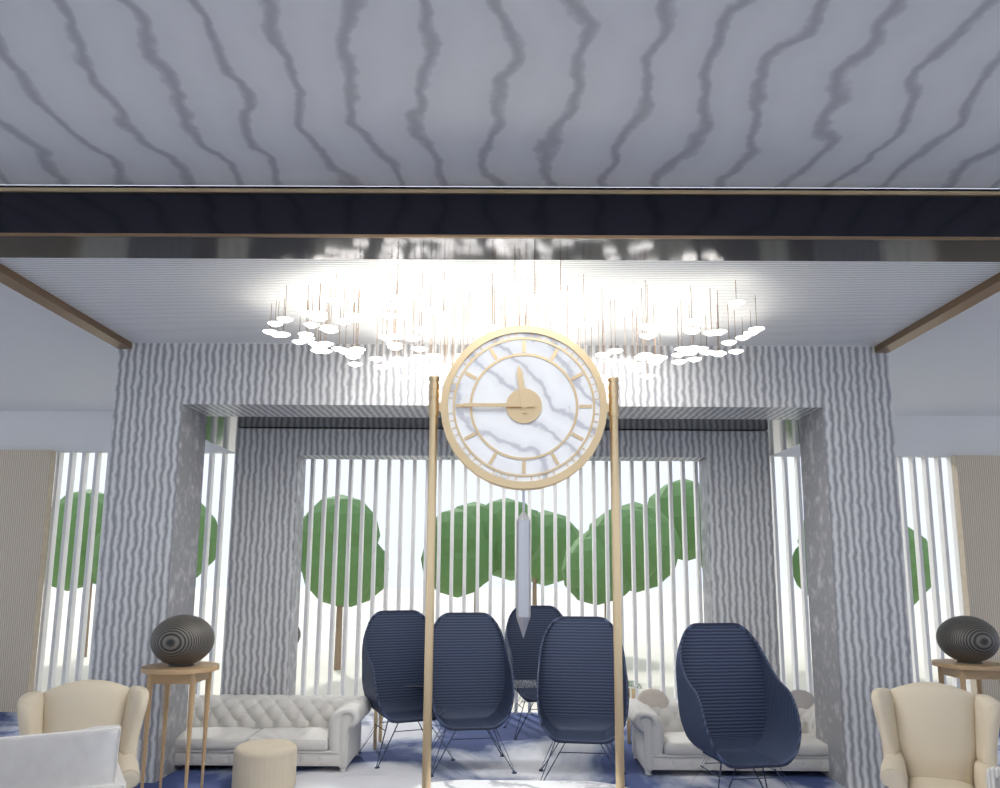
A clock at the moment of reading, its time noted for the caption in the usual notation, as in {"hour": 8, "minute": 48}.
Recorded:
{"hour": 11, "minute": 45}
